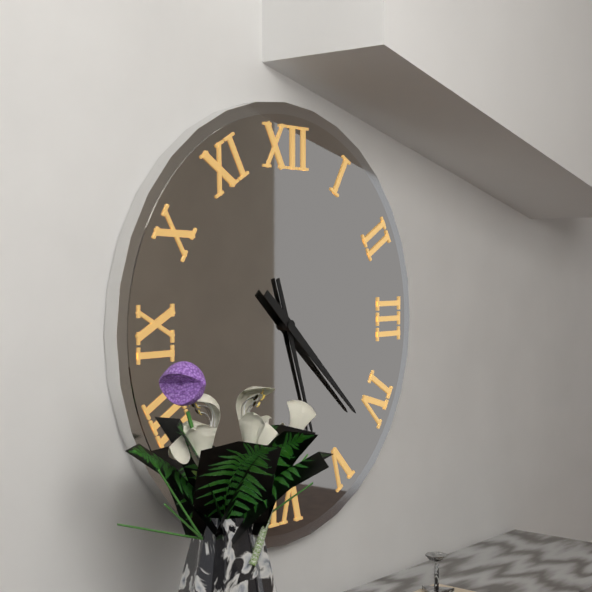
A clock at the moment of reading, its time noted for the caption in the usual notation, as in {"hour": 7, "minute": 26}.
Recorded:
{"hour": 5, "minute": 22}
